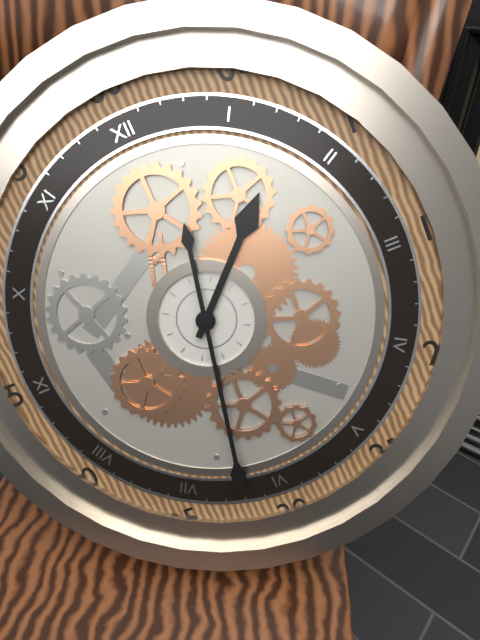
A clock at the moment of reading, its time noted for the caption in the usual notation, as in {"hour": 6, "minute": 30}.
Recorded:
{"hour": 1, "minute": 32}
